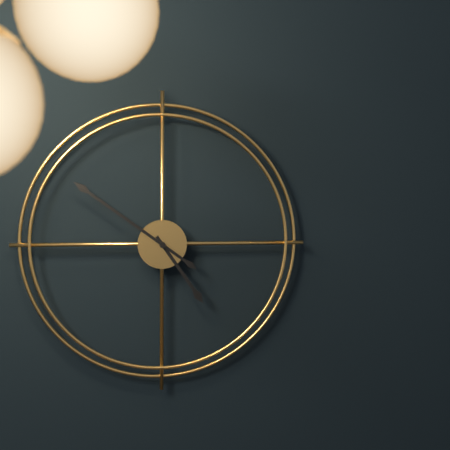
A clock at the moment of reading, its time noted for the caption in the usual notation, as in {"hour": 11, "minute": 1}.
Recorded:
{"hour": 4, "minute": 51}
